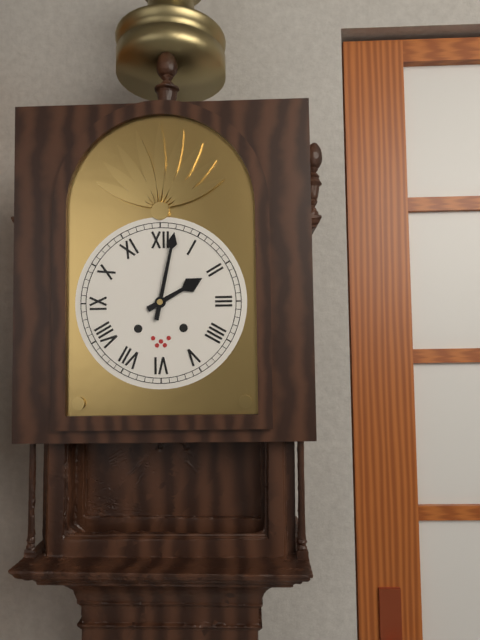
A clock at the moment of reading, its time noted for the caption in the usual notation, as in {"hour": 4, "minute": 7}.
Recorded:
{"hour": 2, "minute": 2}
